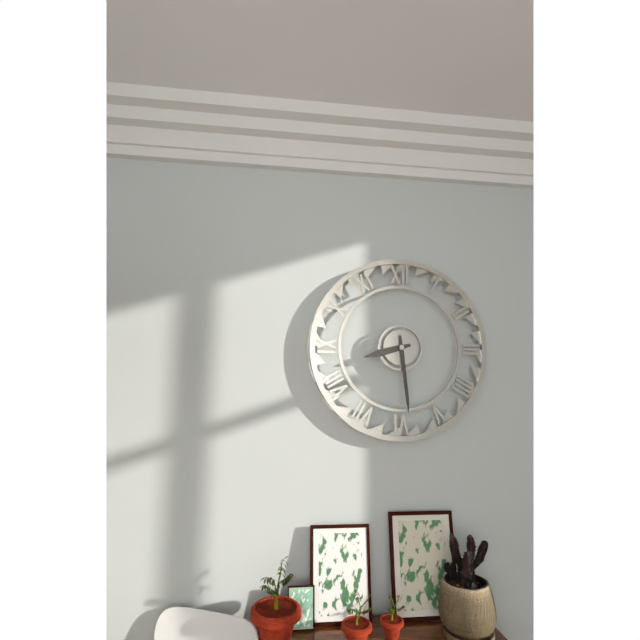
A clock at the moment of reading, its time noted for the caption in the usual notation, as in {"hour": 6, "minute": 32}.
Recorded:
{"hour": 8, "minute": 29}
